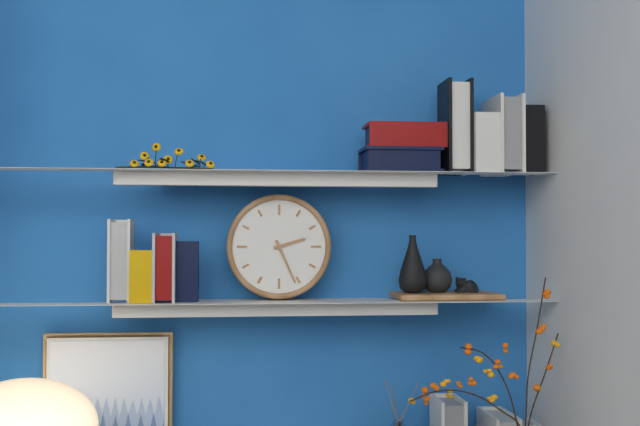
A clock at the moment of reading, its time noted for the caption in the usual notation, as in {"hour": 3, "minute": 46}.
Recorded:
{"hour": 2, "minute": 26}
